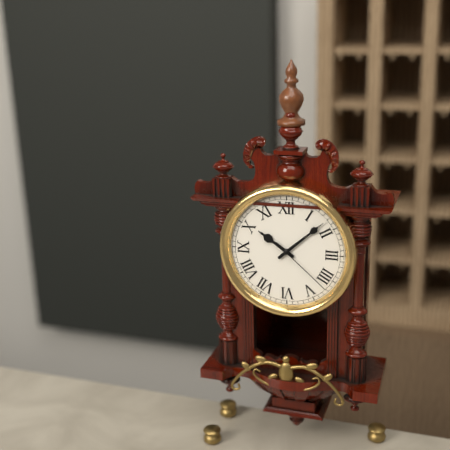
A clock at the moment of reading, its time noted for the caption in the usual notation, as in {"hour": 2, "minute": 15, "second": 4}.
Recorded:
{"hour": 10, "minute": 8, "second": 22}
